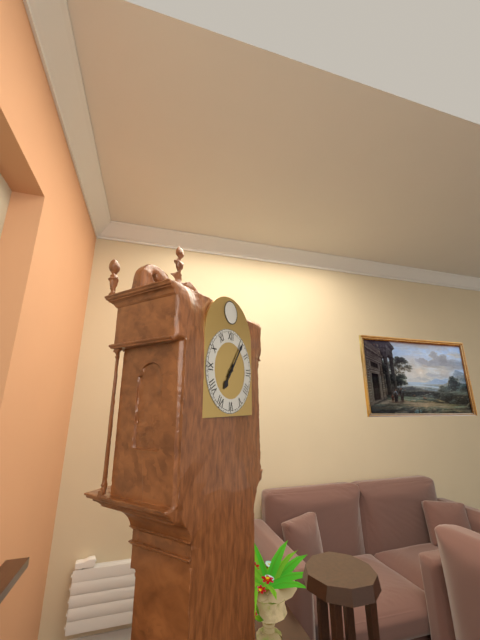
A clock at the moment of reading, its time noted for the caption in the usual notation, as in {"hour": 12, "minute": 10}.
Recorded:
{"hour": 7, "minute": 6}
